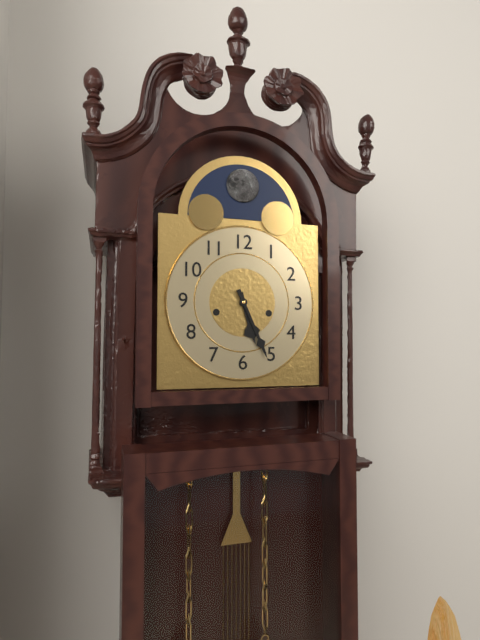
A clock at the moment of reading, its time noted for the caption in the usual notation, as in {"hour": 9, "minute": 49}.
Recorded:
{"hour": 5, "minute": 26}
